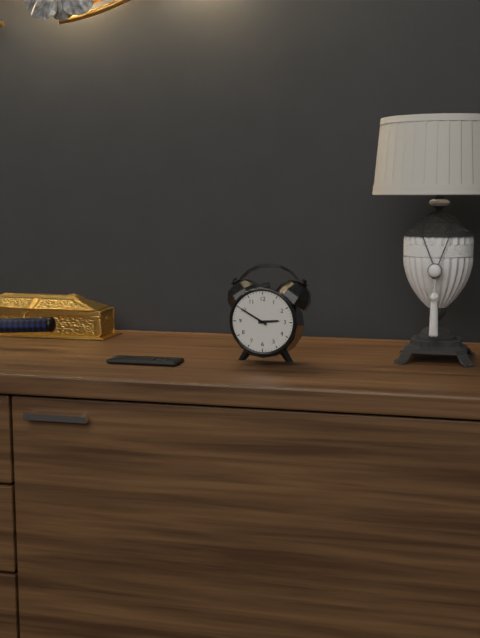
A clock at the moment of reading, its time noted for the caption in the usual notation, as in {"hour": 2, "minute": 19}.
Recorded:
{"hour": 2, "minute": 50}
